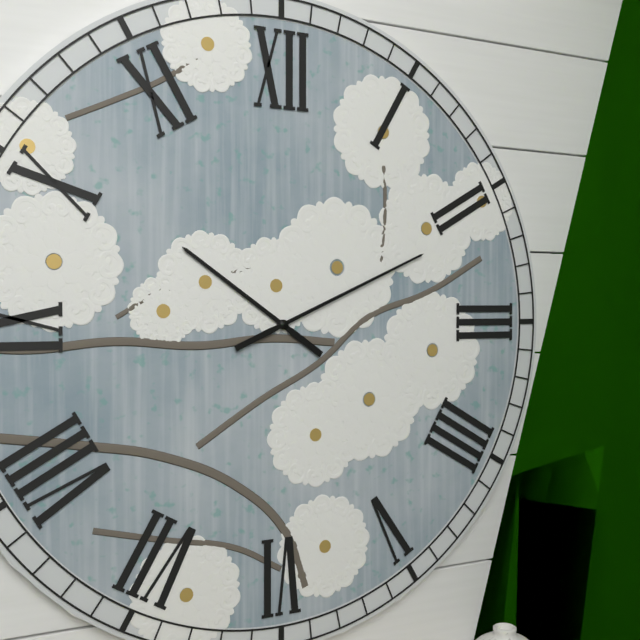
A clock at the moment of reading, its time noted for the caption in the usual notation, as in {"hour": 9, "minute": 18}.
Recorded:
{"hour": 10, "minute": 11}
